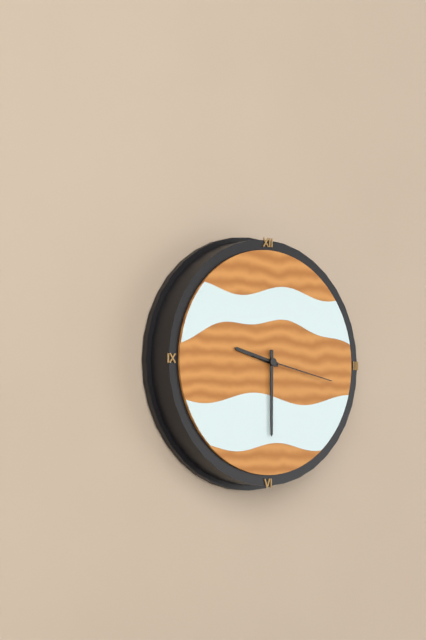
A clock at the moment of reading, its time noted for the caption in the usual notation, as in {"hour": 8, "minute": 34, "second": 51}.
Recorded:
{"hour": 9, "minute": 30, "second": 17}
